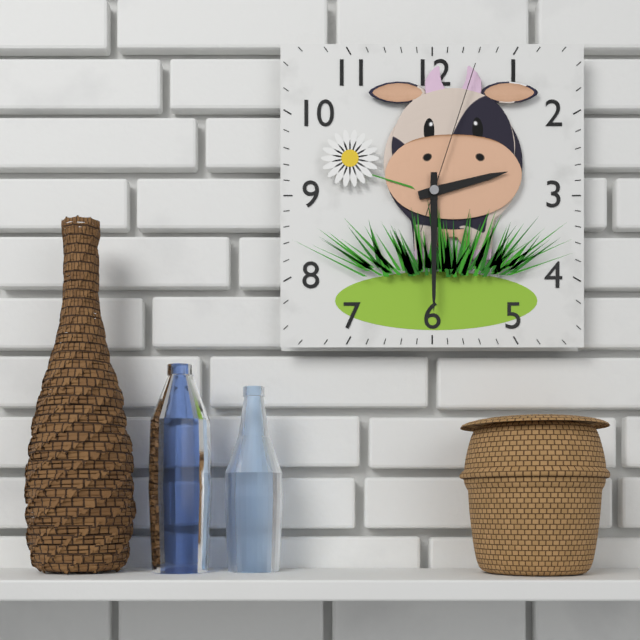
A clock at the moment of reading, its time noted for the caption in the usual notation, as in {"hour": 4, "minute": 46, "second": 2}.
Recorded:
{"hour": 2, "minute": 30, "second": 3}
